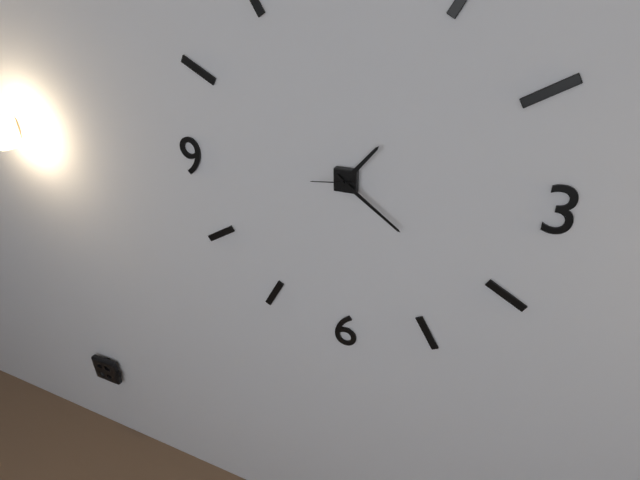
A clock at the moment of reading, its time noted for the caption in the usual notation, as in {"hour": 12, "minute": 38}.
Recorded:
{"hour": 1, "minute": 21}
